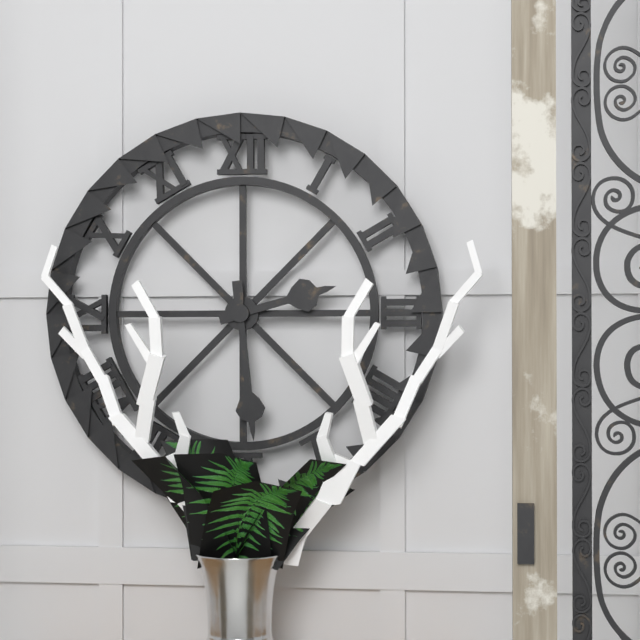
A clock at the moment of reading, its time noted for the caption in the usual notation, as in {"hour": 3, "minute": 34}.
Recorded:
{"hour": 2, "minute": 29}
